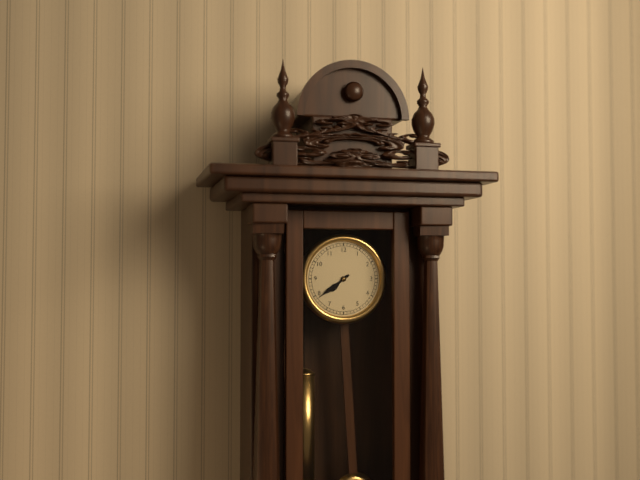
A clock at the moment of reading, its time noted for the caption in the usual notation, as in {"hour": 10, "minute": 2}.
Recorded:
{"hour": 7, "minute": 39}
